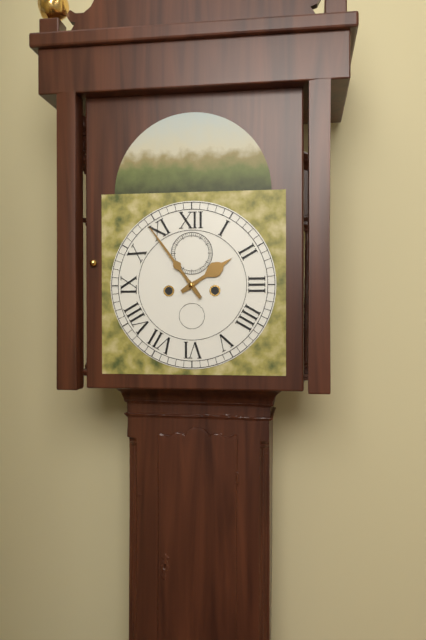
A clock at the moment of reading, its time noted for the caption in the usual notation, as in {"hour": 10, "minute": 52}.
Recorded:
{"hour": 1, "minute": 54}
